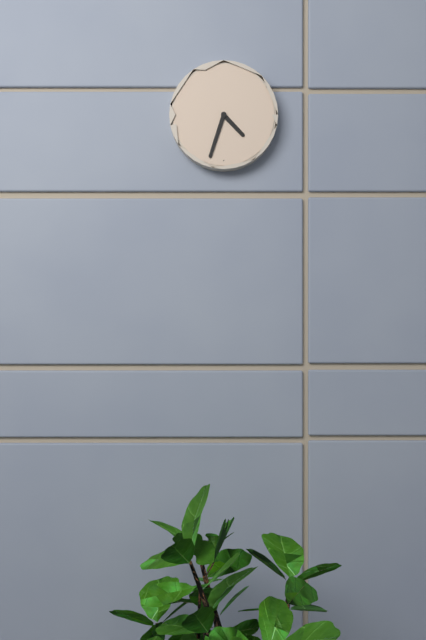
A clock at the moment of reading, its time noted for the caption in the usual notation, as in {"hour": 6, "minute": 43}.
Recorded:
{"hour": 4, "minute": 33}
